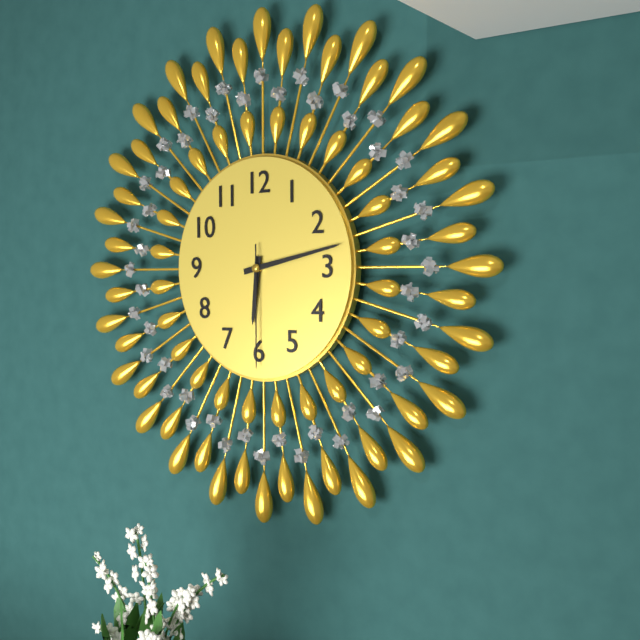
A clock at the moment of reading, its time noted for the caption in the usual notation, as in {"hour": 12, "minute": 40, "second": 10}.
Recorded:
{"hour": 6, "minute": 13, "second": 30}
